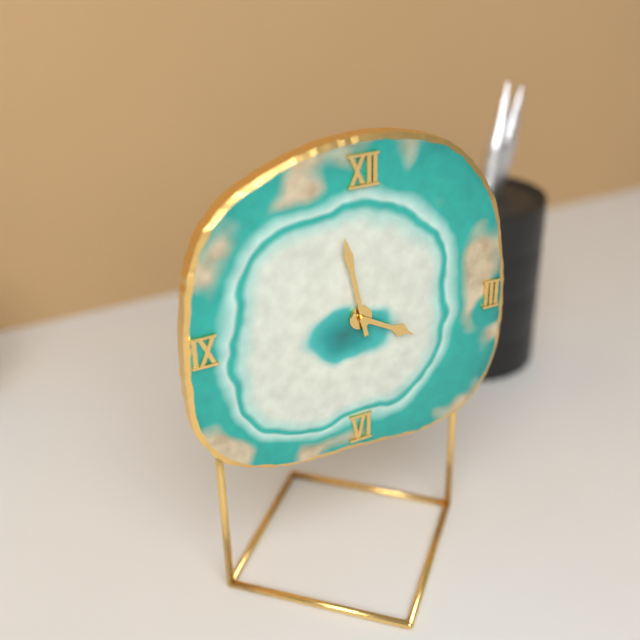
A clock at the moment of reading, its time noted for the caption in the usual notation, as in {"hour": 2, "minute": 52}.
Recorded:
{"hour": 3, "minute": 58}
